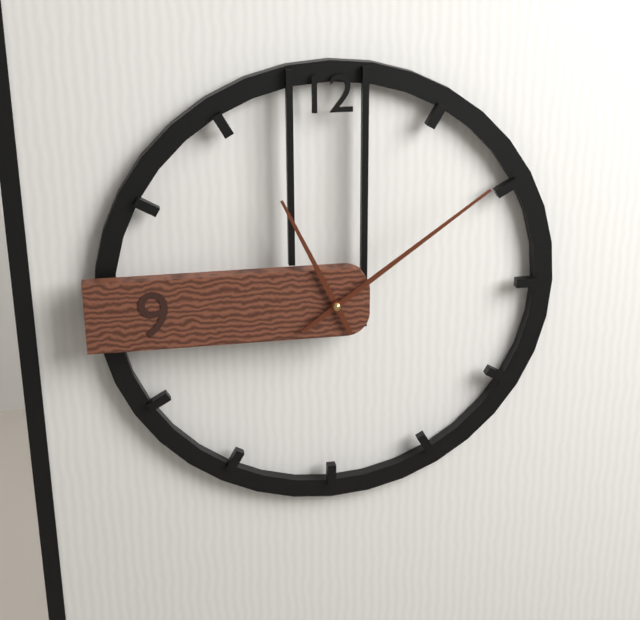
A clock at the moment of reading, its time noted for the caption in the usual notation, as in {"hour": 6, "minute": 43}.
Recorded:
{"hour": 11, "minute": 9}
